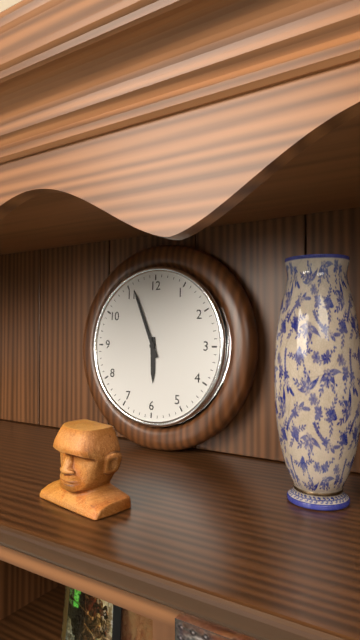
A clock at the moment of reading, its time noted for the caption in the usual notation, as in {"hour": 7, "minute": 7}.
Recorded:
{"hour": 5, "minute": 56}
